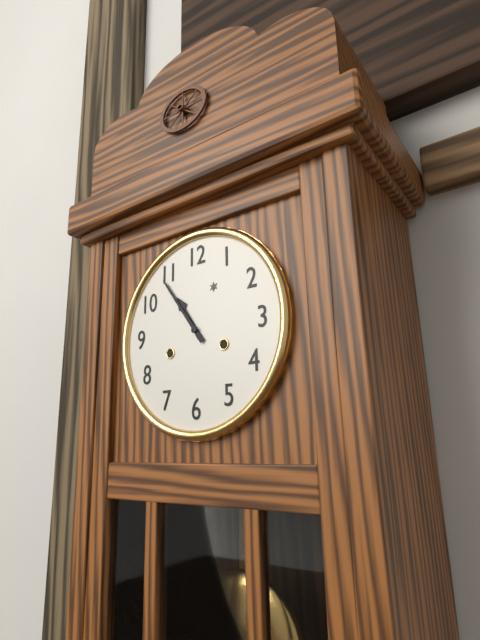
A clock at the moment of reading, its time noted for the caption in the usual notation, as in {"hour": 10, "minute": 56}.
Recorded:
{"hour": 10, "minute": 54}
